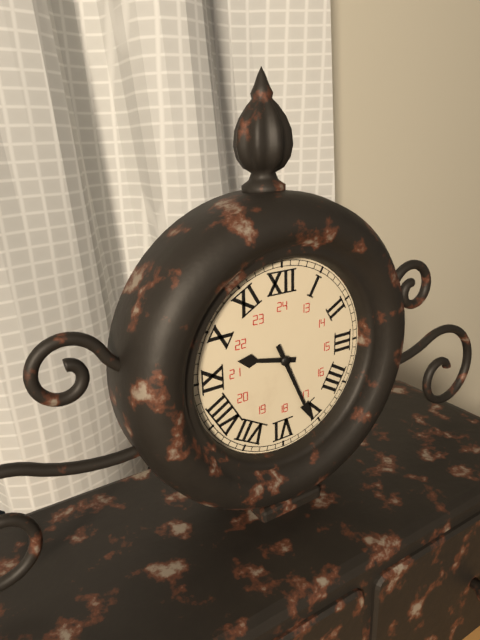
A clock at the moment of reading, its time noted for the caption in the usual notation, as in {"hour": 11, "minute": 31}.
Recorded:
{"hour": 9, "minute": 26}
